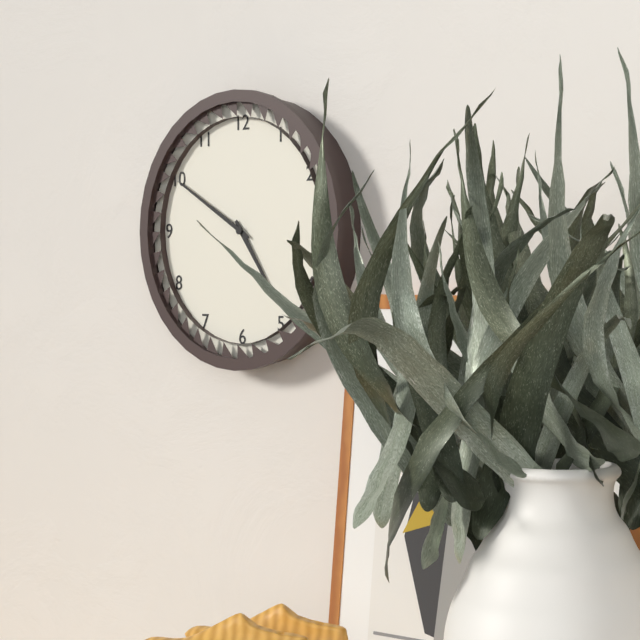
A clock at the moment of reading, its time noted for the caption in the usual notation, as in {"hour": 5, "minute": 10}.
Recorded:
{"hour": 4, "minute": 50}
